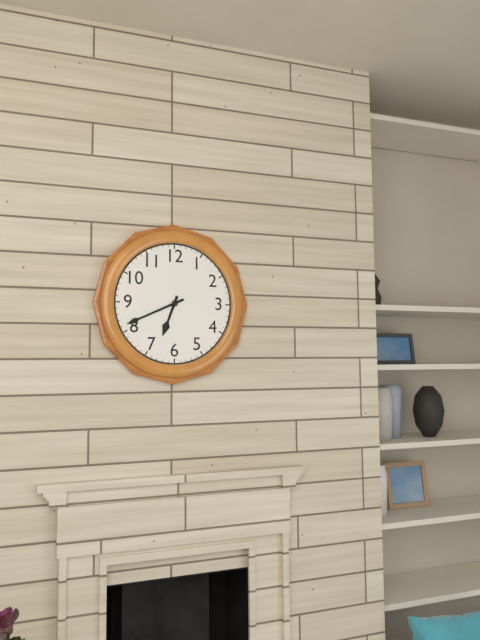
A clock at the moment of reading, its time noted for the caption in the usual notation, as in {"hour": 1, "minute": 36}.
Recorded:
{"hour": 6, "minute": 41}
